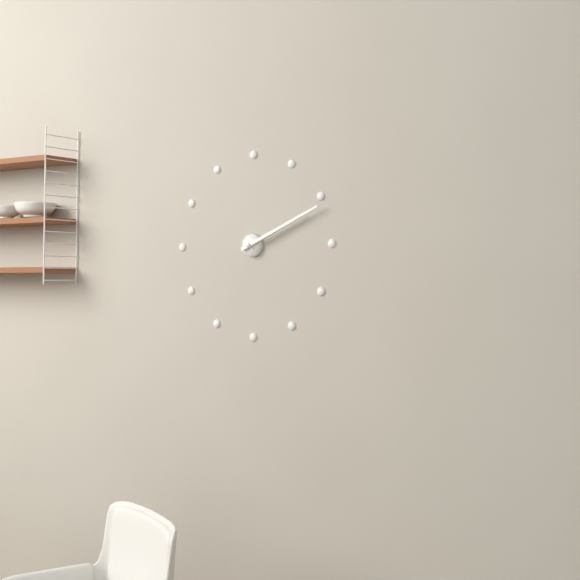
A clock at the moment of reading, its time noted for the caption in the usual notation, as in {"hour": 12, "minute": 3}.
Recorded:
{"hour": 2, "minute": 11}
